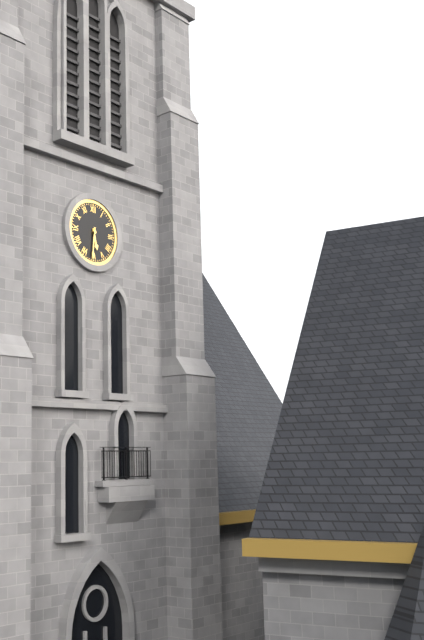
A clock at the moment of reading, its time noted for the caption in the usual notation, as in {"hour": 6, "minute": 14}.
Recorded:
{"hour": 5, "minute": 31}
